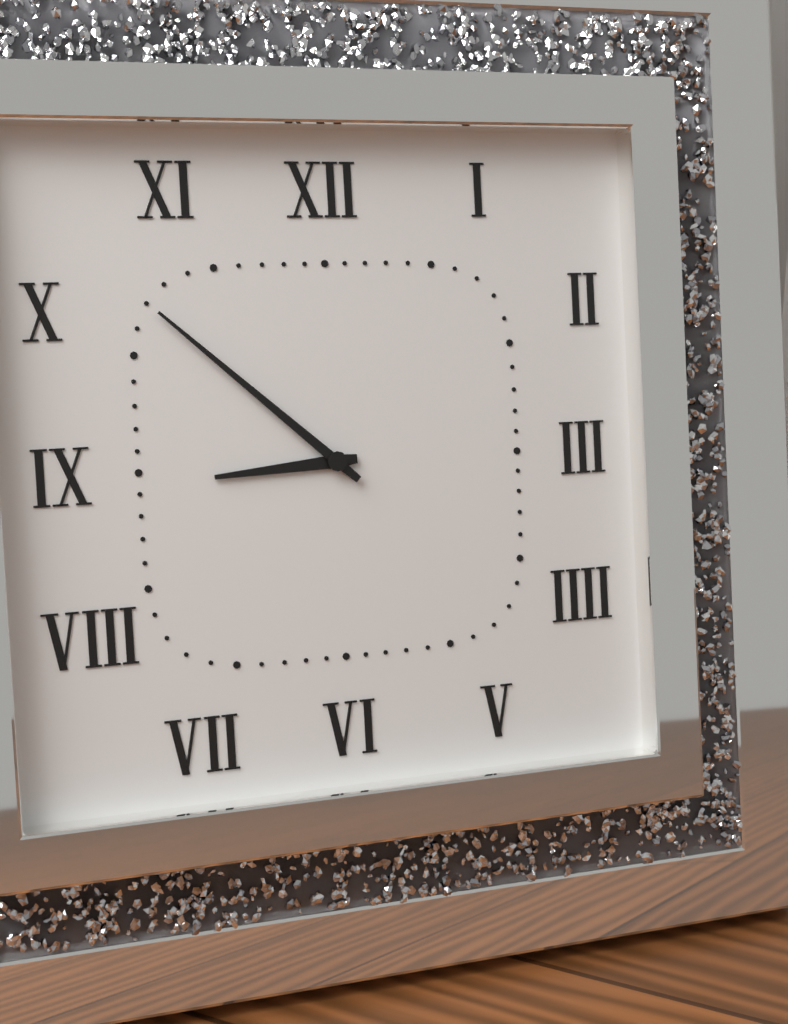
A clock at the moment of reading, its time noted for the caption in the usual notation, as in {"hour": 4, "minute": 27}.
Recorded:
{"hour": 8, "minute": 52}
